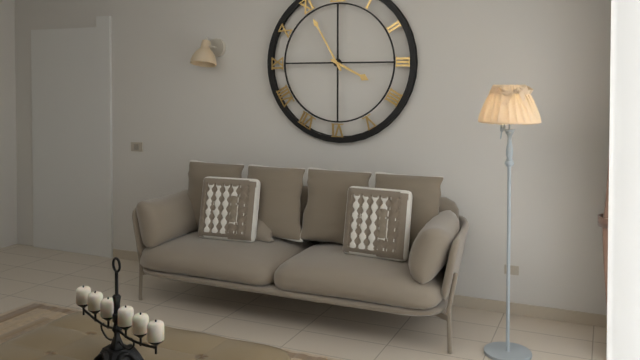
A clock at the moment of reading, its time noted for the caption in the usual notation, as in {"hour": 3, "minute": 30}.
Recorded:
{"hour": 3, "minute": 55}
